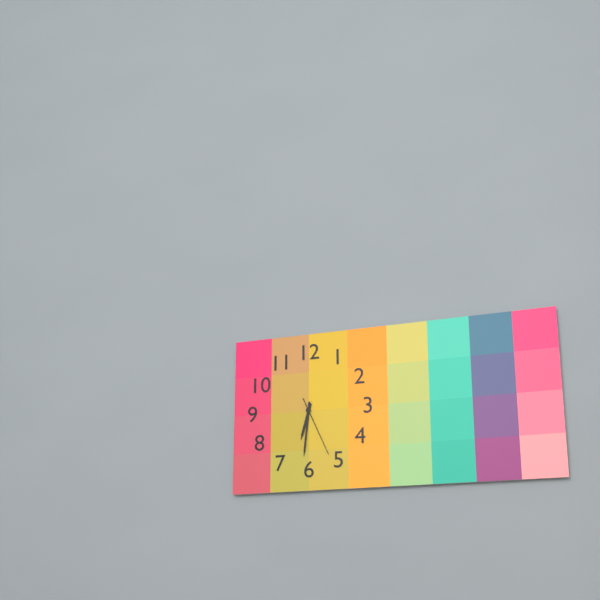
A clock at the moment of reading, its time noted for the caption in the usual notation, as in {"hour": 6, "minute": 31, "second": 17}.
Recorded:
{"hour": 6, "minute": 31, "second": 26}
